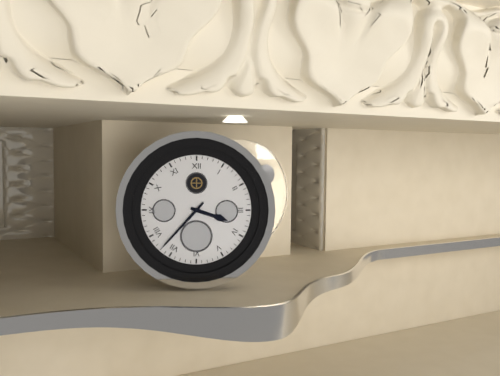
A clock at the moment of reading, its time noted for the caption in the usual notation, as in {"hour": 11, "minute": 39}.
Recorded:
{"hour": 3, "minute": 37}
